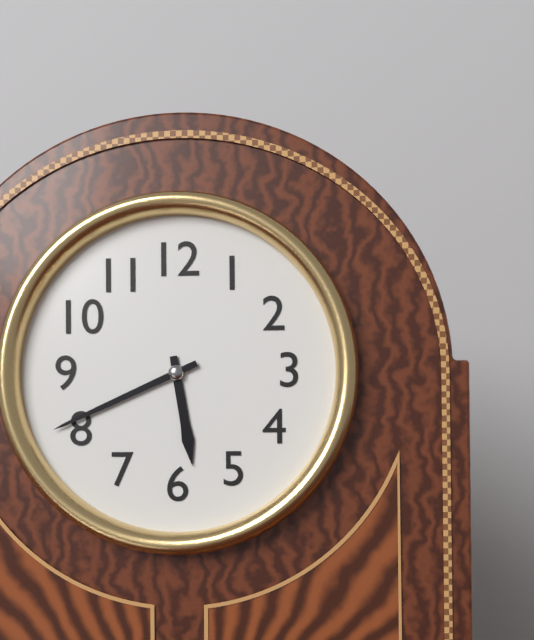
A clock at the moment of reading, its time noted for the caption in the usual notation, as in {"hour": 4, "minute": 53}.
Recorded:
{"hour": 5, "minute": 41}
